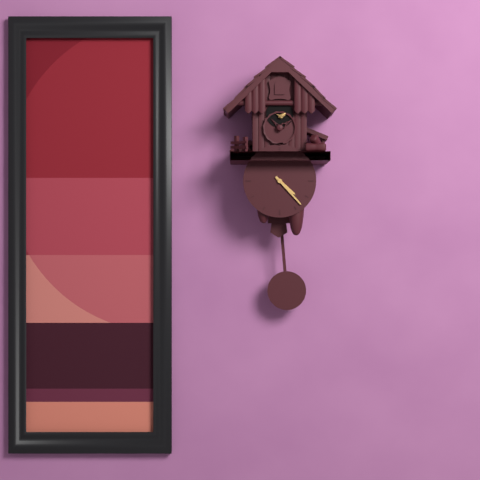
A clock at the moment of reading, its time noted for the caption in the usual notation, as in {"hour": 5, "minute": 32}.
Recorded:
{"hour": 4, "minute": 23}
